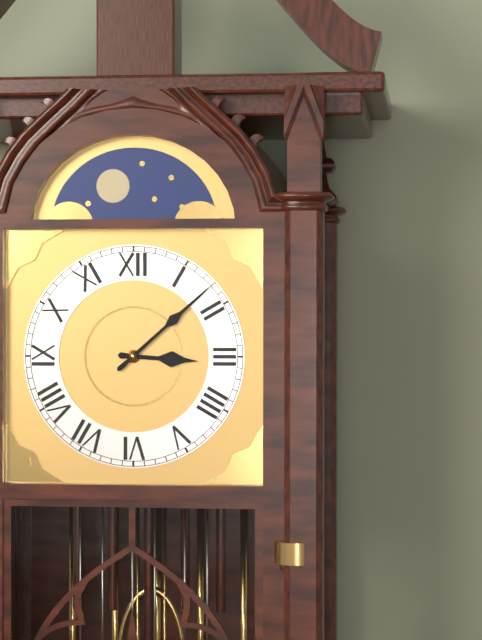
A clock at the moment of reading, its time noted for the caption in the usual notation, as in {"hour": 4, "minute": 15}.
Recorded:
{"hour": 3, "minute": 8}
